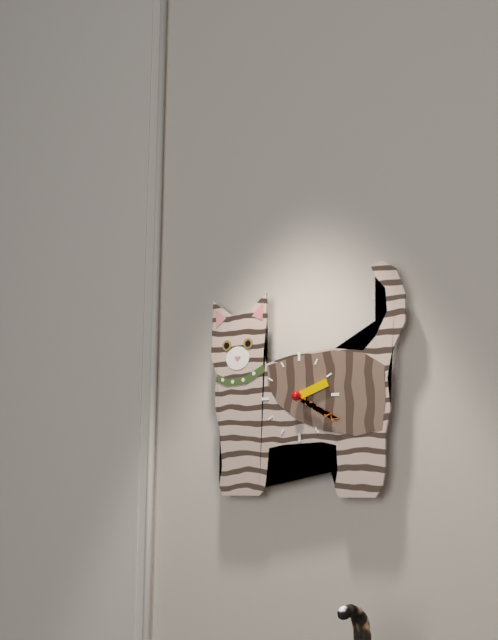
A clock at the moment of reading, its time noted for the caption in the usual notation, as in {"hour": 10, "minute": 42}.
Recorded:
{"hour": 2, "minute": 20}
